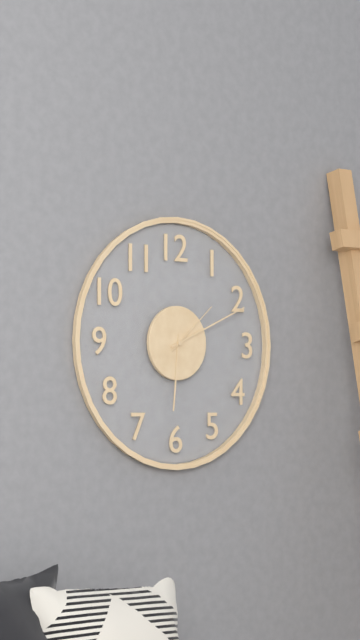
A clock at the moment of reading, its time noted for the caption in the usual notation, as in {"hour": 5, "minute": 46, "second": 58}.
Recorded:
{"hour": 6, "minute": 11, "second": 8}
